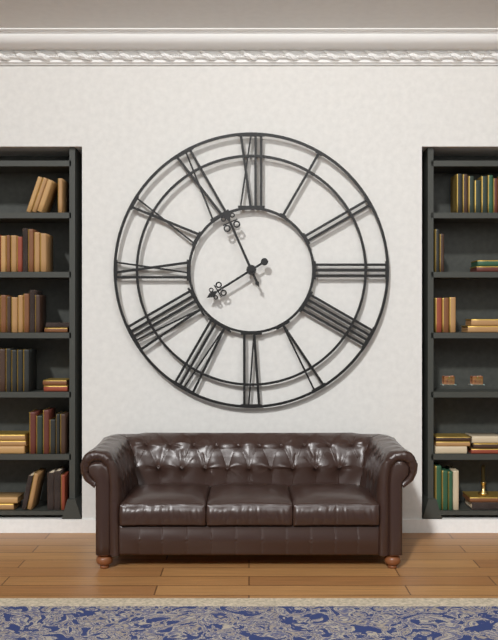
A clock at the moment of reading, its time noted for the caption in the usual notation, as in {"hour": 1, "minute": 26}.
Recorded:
{"hour": 7, "minute": 56}
